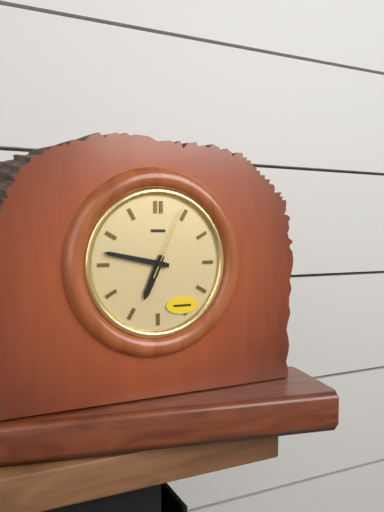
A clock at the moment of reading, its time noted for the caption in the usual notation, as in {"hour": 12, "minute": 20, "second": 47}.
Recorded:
{"hour": 6, "minute": 47, "second": 4}
